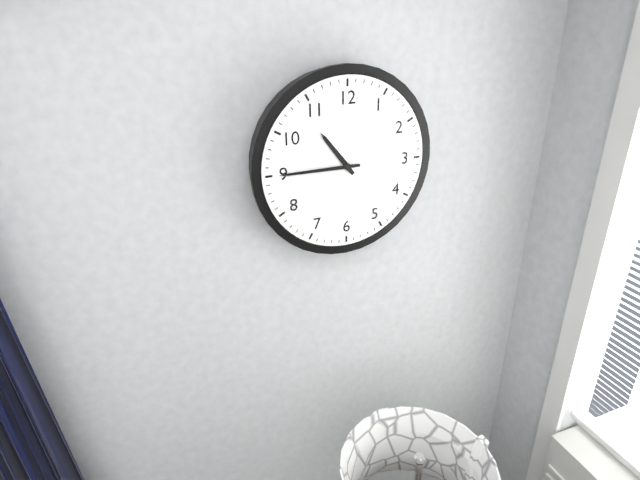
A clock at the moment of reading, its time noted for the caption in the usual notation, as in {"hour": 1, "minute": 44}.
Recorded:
{"hour": 10, "minute": 45}
